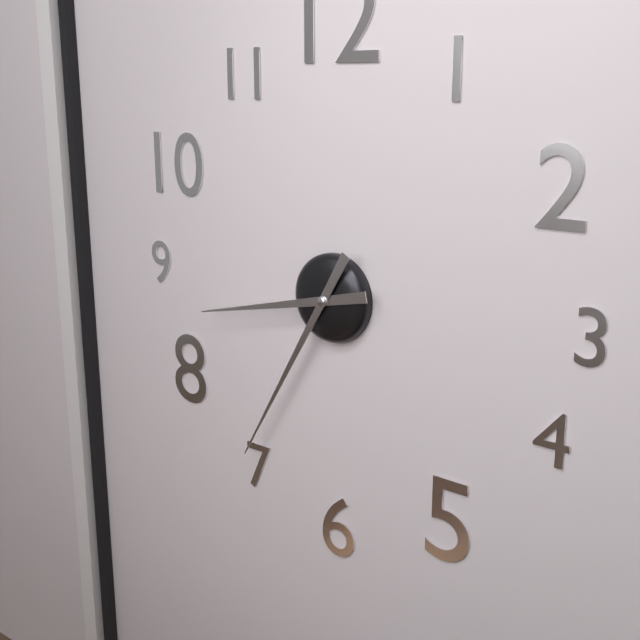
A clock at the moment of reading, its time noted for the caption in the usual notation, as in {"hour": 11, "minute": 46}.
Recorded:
{"hour": 8, "minute": 35}
